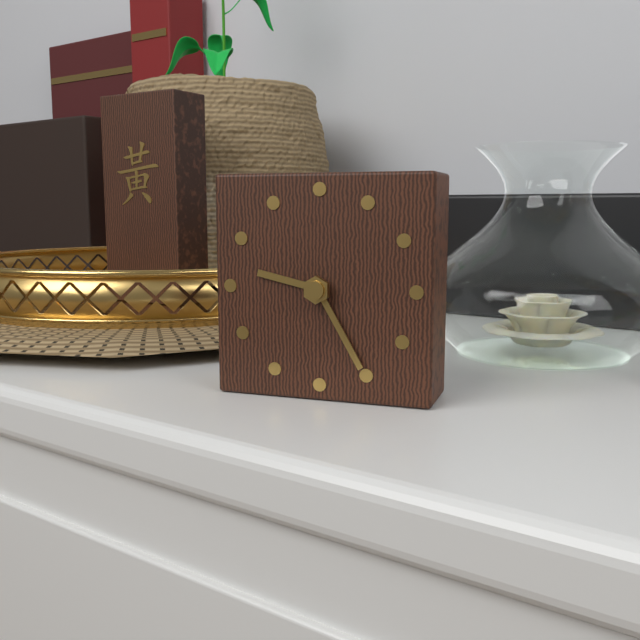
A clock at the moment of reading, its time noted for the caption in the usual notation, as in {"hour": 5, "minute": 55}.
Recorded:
{"hour": 9, "minute": 25}
